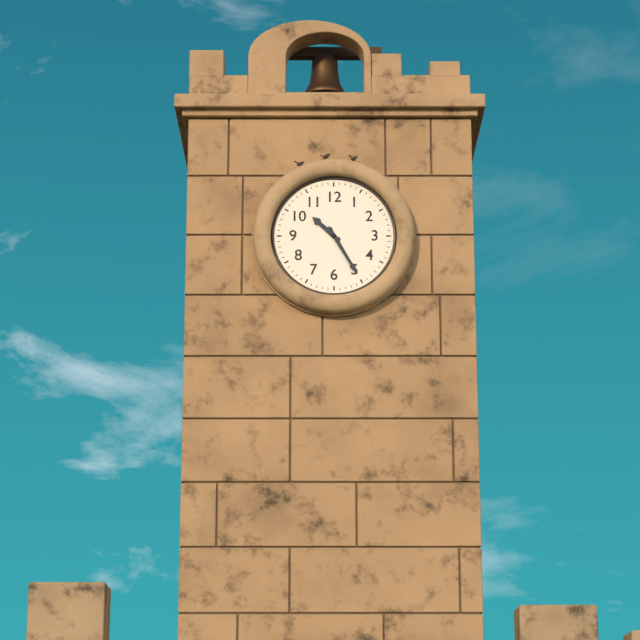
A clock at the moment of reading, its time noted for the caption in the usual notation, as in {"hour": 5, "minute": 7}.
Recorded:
{"hour": 10, "minute": 25}
